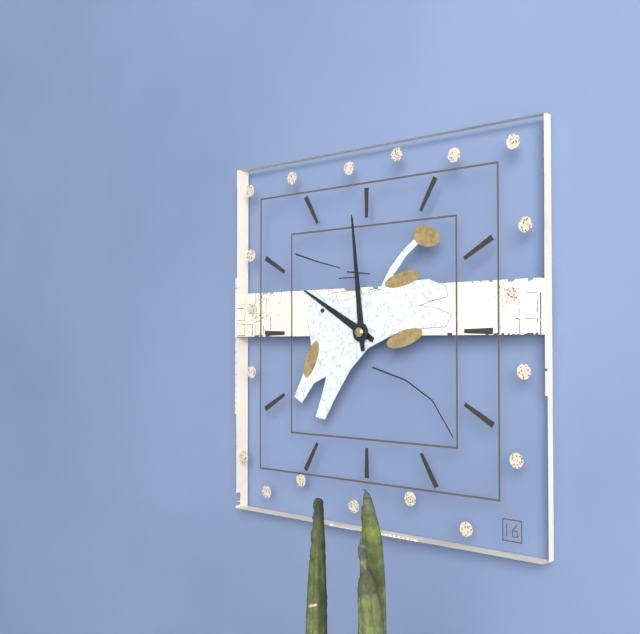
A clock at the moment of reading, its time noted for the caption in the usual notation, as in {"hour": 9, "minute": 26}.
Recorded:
{"hour": 9, "minute": 59}
